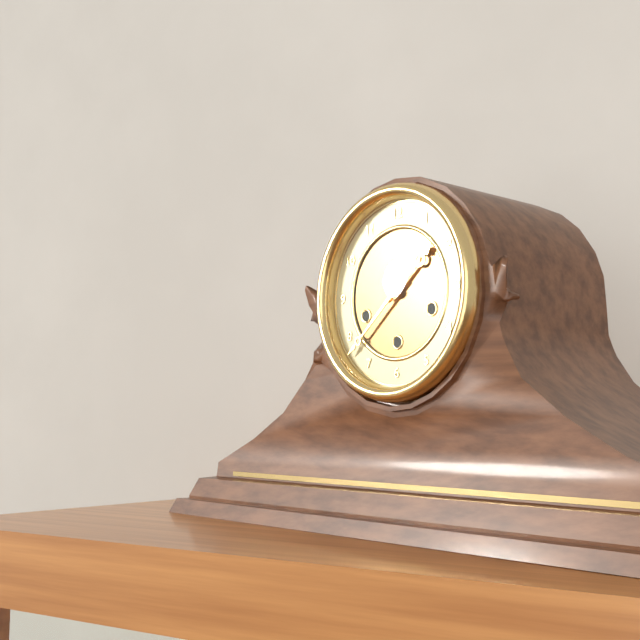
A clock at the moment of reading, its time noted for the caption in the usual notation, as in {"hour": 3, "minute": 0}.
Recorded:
{"hour": 1, "minute": 38}
